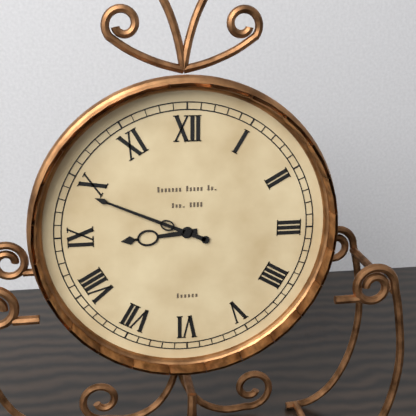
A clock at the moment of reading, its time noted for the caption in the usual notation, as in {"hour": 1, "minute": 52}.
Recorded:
{"hour": 8, "minute": 49}
